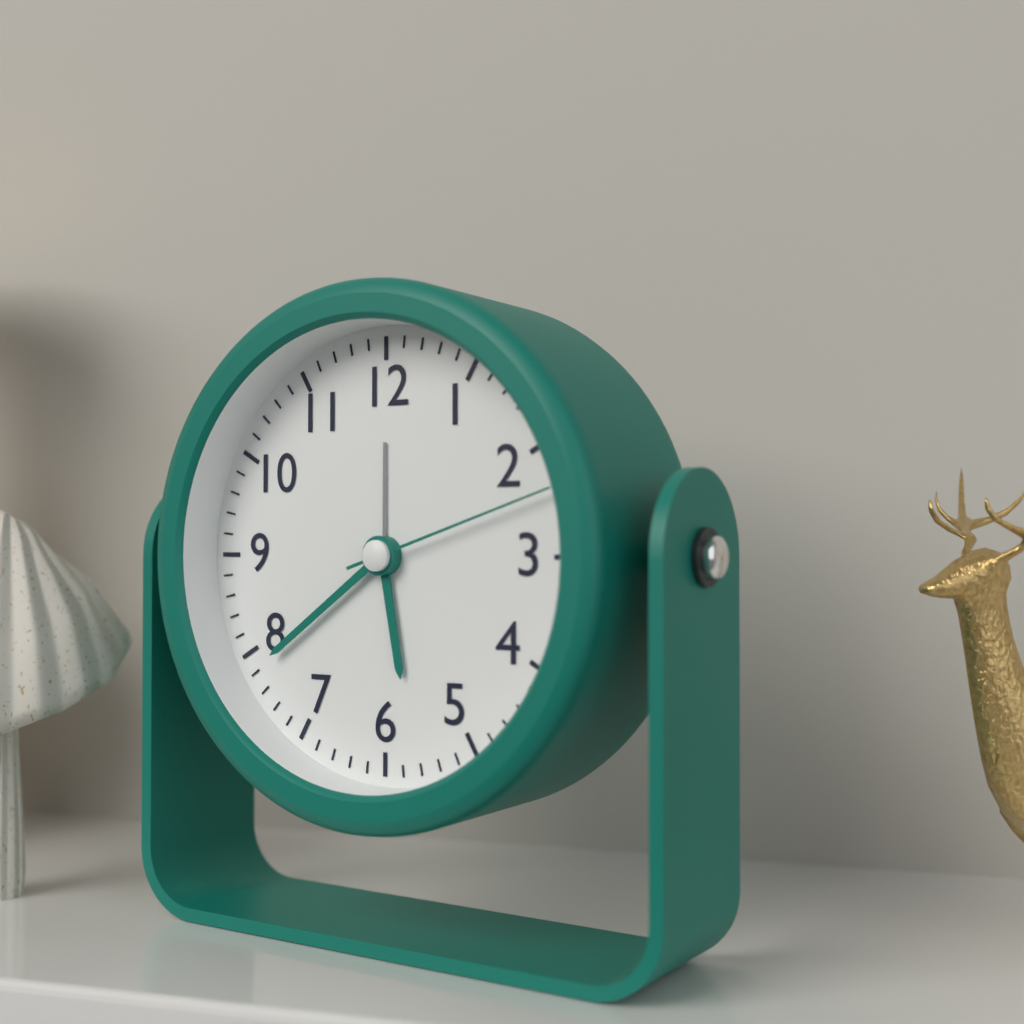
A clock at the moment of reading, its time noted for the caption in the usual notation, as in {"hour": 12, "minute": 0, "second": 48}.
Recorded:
{"hour": 5, "minute": 39, "second": 12}
